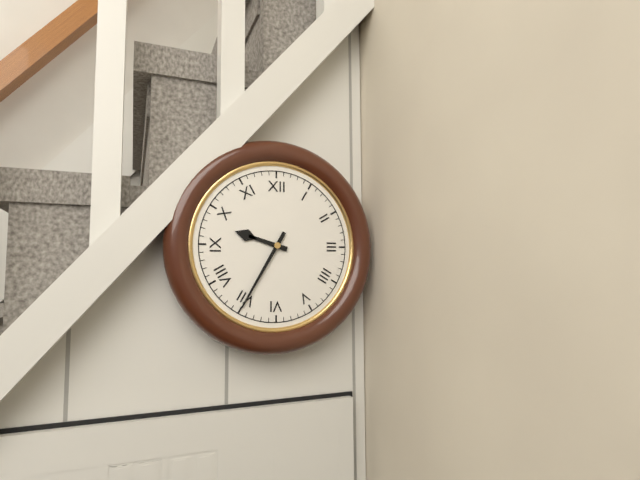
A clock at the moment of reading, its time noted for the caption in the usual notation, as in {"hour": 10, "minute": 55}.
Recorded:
{"hour": 9, "minute": 35}
